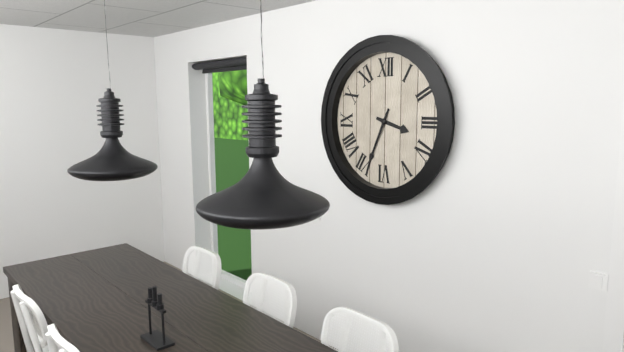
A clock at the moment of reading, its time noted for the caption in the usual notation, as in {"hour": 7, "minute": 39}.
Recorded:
{"hour": 3, "minute": 34}
